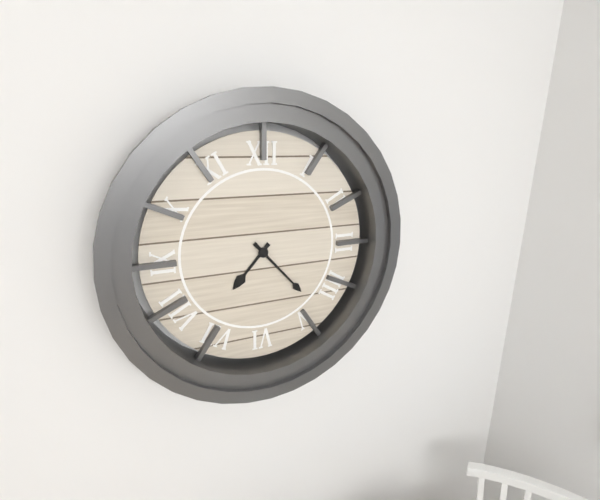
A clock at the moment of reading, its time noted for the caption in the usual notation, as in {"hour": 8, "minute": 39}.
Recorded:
{"hour": 7, "minute": 23}
